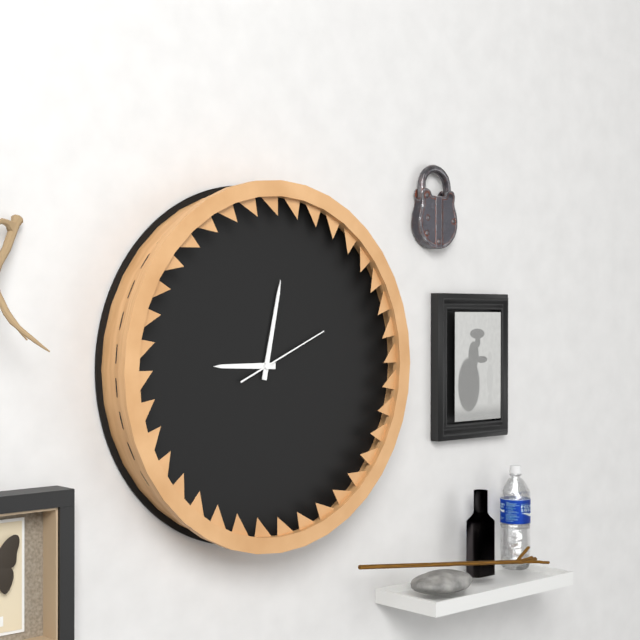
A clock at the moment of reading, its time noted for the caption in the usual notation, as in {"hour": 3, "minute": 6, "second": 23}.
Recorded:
{"hour": 9, "minute": 2, "second": 11}
